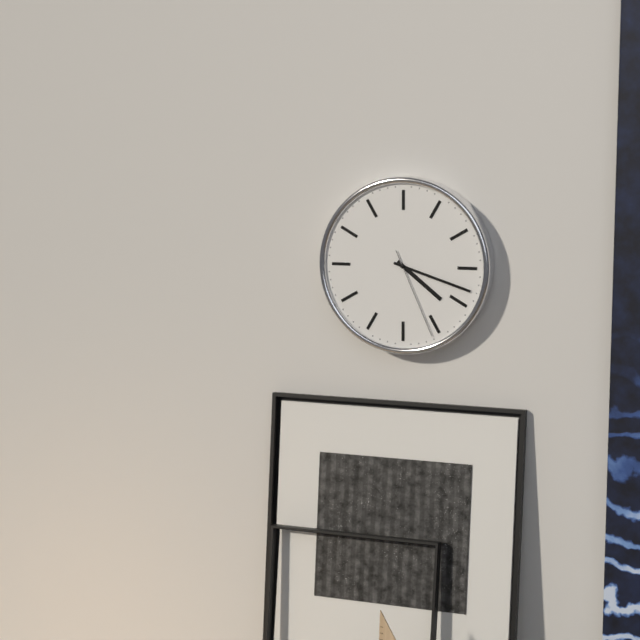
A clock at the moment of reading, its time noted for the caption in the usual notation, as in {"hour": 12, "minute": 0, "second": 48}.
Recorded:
{"hour": 4, "minute": 18, "second": 26}
